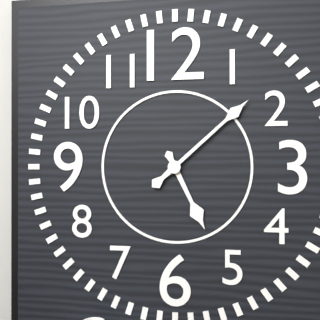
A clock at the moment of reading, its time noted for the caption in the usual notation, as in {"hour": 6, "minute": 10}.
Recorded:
{"hour": 5, "minute": 8}
